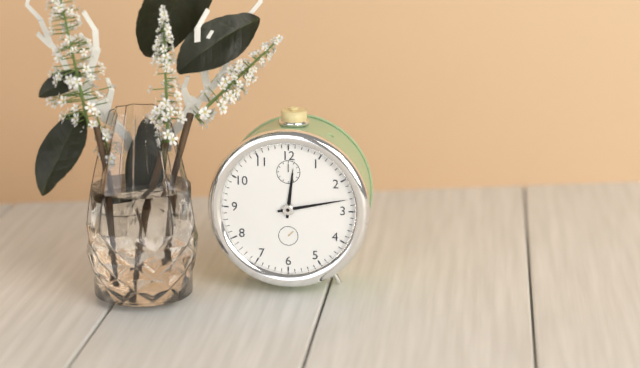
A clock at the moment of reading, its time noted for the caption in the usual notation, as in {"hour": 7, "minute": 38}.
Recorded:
{"hour": 12, "minute": 13}
